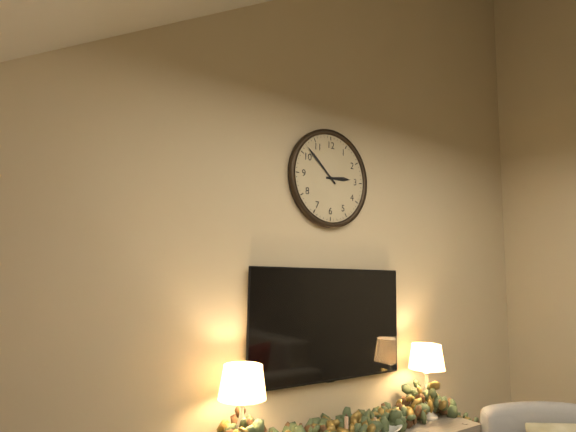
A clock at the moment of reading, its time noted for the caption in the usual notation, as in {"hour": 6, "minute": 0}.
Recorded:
{"hour": 2, "minute": 52}
